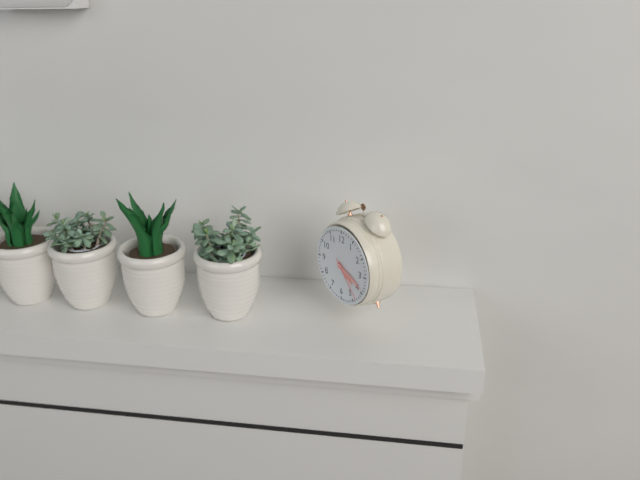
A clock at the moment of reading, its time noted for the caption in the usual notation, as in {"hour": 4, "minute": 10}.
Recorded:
{"hour": 4, "minute": 19}
